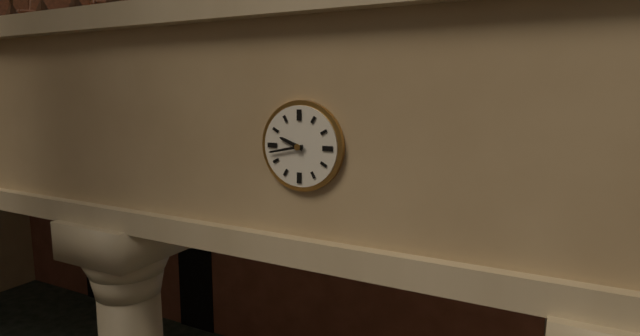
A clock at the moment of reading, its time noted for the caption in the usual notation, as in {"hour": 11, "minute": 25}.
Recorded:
{"hour": 9, "minute": 43}
